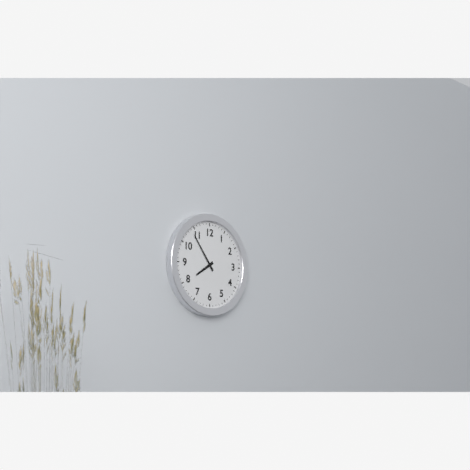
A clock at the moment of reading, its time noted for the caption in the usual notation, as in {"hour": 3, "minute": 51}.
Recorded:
{"hour": 7, "minute": 54}
